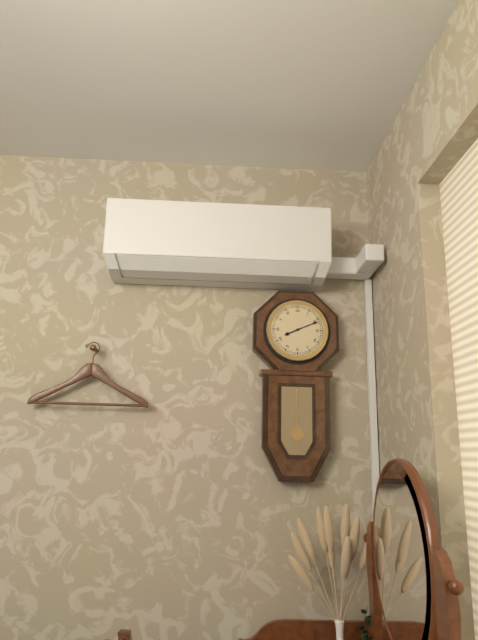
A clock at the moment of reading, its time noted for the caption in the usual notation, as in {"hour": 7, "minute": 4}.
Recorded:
{"hour": 8, "minute": 11}
